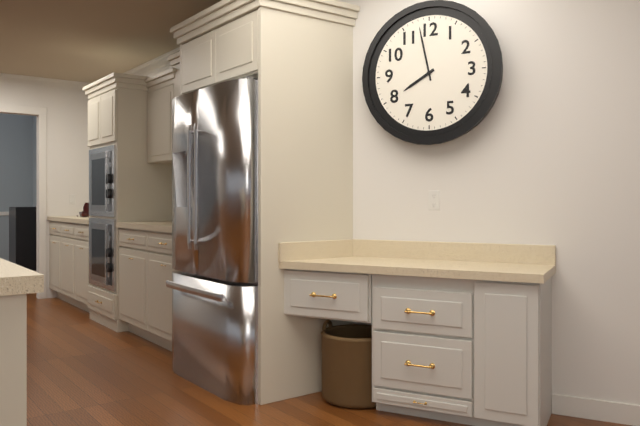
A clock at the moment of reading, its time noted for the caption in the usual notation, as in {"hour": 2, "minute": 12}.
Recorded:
{"hour": 7, "minute": 58}
